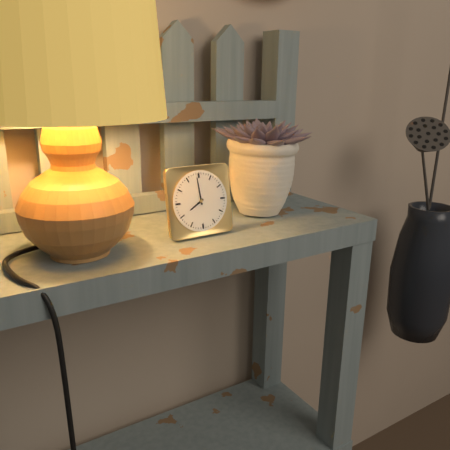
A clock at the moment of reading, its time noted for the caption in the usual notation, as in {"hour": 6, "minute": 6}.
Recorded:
{"hour": 7, "minute": 59}
